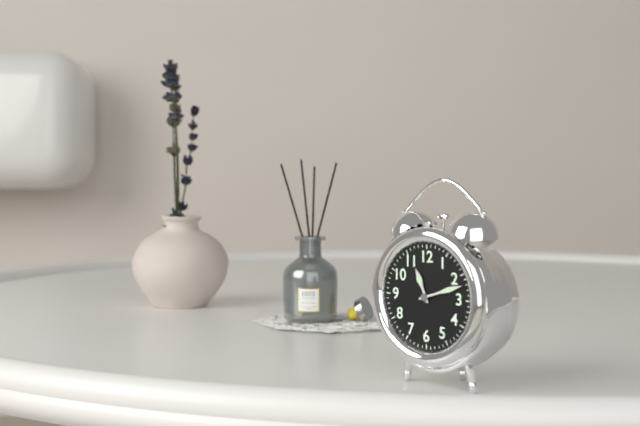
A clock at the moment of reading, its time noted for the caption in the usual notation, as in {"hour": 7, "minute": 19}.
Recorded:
{"hour": 11, "minute": 12}
